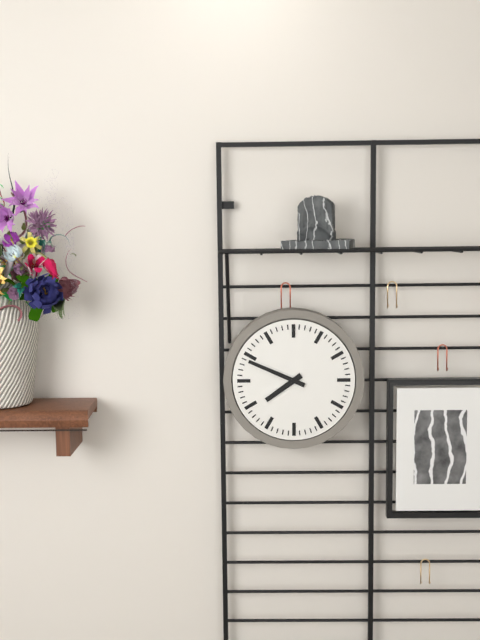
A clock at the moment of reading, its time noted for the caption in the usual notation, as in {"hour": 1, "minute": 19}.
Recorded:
{"hour": 7, "minute": 49}
